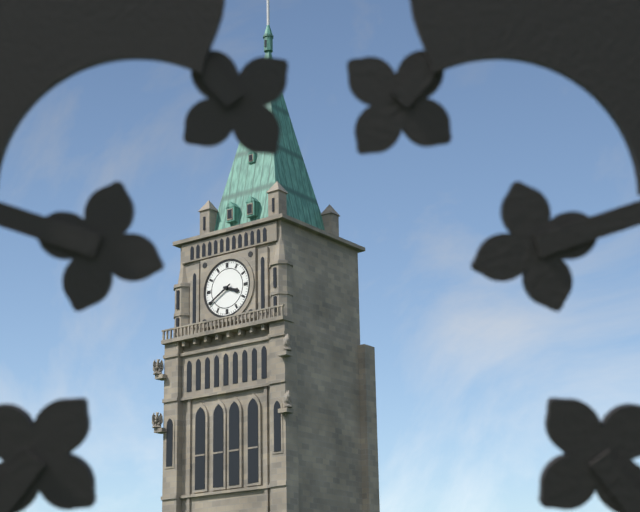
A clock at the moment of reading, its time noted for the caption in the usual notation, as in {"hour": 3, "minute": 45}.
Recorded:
{"hour": 3, "minute": 40}
